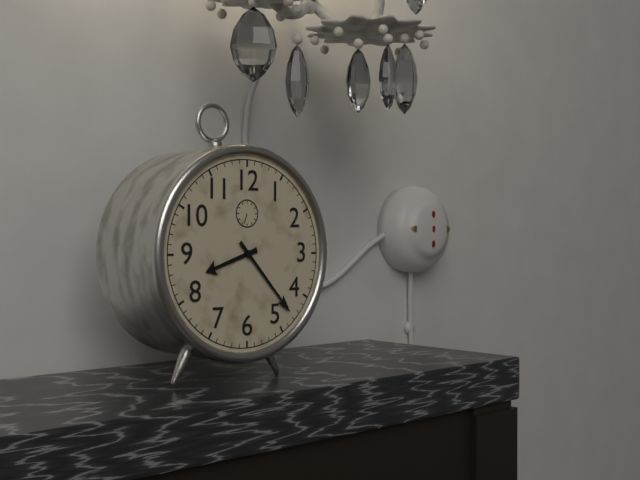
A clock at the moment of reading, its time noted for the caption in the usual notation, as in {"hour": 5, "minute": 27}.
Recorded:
{"hour": 8, "minute": 23}
